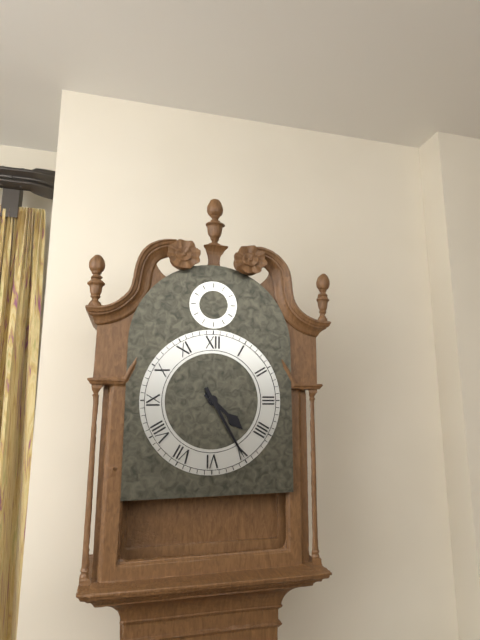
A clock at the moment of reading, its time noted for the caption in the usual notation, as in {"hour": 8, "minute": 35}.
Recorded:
{"hour": 4, "minute": 25}
